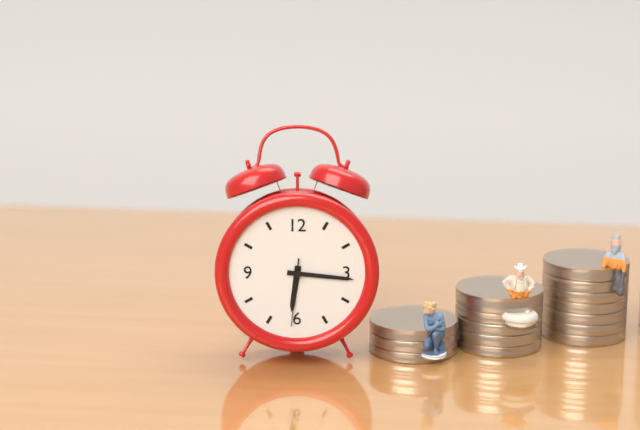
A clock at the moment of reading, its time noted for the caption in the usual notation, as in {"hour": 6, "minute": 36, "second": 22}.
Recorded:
{"hour": 6, "minute": 16, "second": 31}
